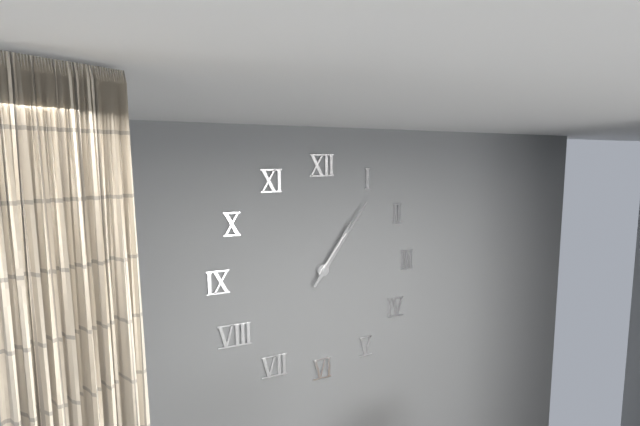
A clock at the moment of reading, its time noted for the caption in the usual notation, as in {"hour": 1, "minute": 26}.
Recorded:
{"hour": 1, "minute": 6}
